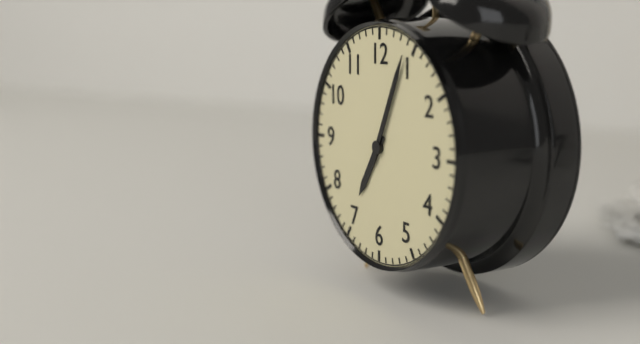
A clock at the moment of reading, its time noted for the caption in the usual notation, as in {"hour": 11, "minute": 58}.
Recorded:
{"hour": 7, "minute": 4}
